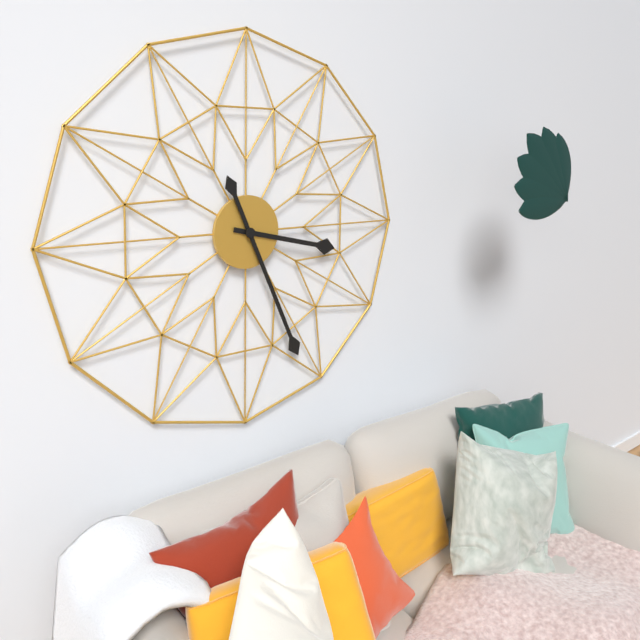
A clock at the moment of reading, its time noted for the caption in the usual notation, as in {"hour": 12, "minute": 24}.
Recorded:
{"hour": 3, "minute": 26}
